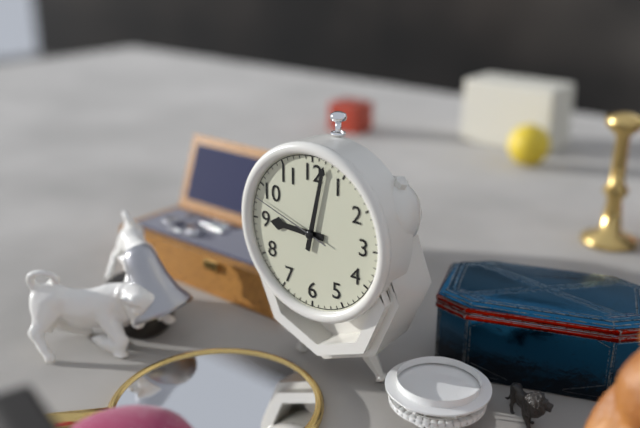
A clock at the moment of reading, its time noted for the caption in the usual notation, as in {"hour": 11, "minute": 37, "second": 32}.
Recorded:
{"hour": 9, "minute": 2, "second": 48}
